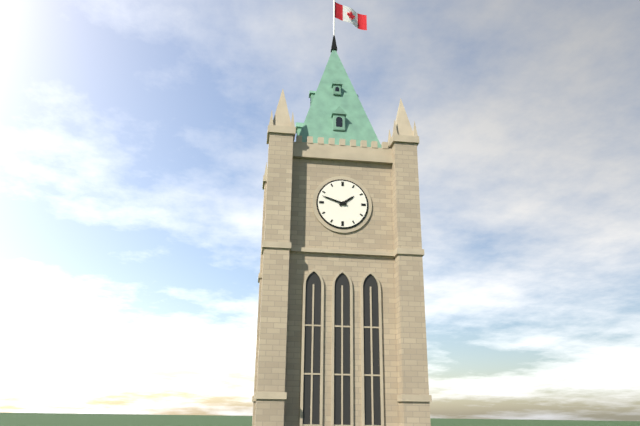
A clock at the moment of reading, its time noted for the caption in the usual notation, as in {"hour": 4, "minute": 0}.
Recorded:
{"hour": 1, "minute": 48}
